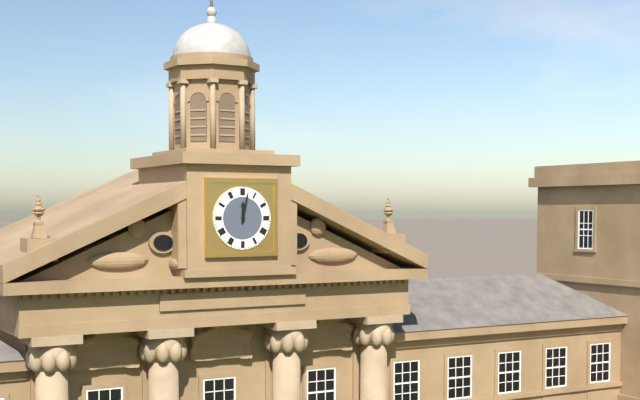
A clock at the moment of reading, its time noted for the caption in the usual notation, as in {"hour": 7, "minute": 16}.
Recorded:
{"hour": 12, "minute": 2}
